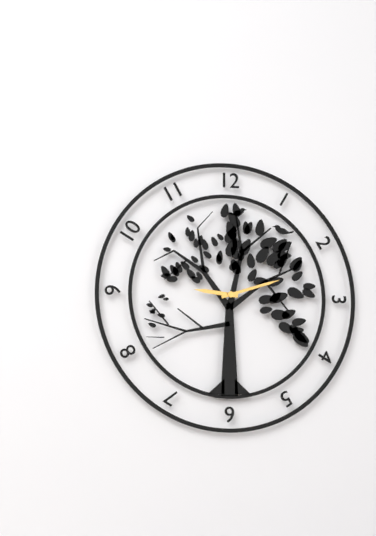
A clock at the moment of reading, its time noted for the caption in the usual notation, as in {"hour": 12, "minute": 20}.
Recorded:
{"hour": 9, "minute": 12}
